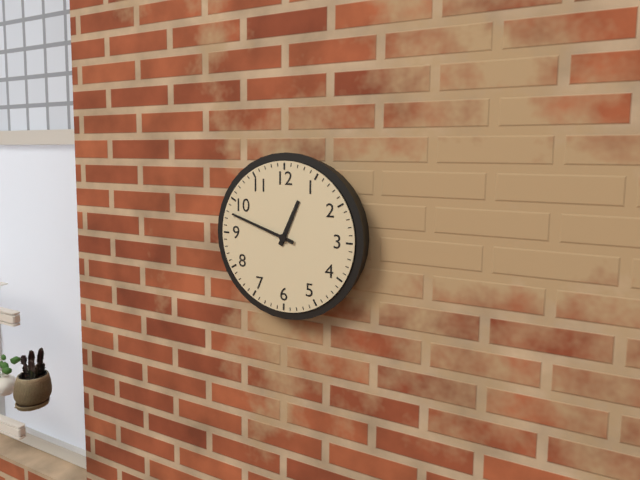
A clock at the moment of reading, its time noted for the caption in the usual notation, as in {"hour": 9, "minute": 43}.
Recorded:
{"hour": 12, "minute": 48}
